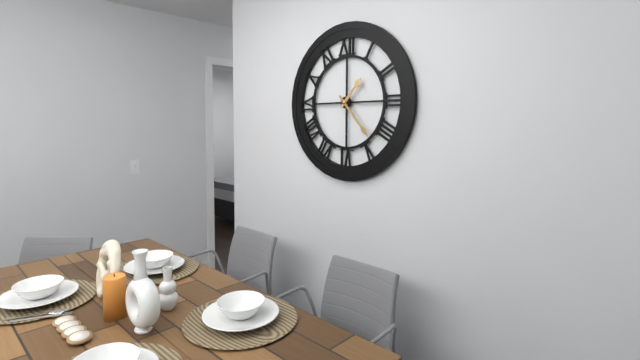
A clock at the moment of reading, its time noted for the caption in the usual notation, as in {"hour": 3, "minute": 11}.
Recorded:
{"hour": 1, "minute": 23}
